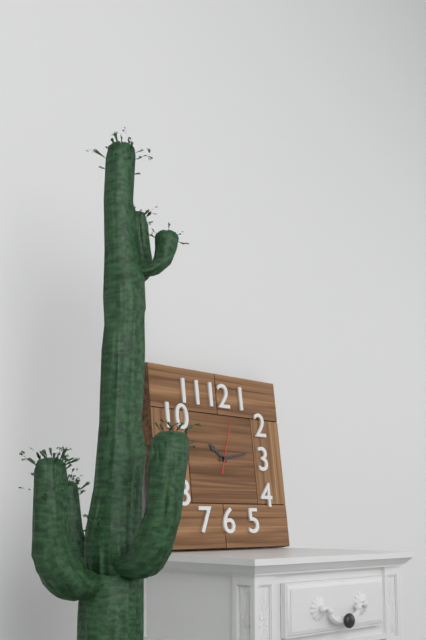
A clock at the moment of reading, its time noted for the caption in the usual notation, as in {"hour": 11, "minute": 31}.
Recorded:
{"hour": 10, "minute": 13}
